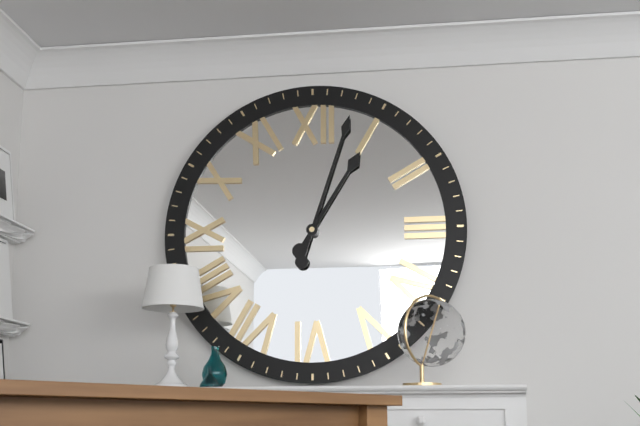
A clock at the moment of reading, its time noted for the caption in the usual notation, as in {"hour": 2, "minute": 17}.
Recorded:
{"hour": 1, "minute": 3}
